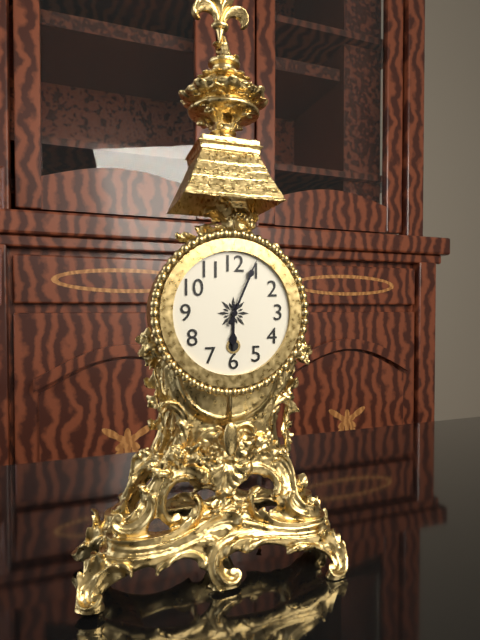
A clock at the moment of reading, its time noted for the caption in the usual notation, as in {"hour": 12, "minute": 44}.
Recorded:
{"hour": 6, "minute": 4}
